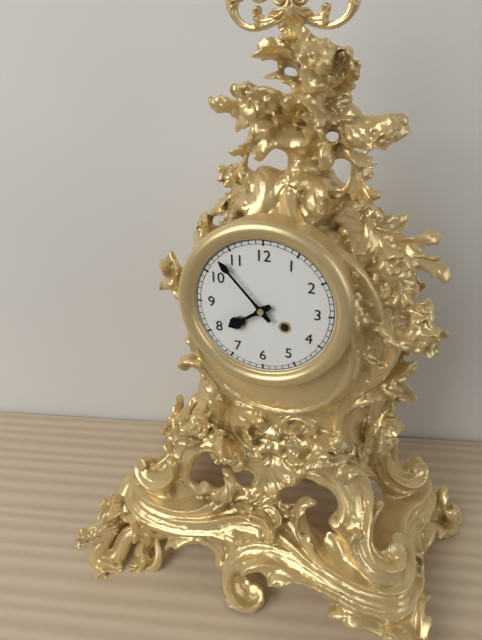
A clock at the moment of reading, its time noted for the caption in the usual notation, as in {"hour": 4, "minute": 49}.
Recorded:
{"hour": 7, "minute": 53}
